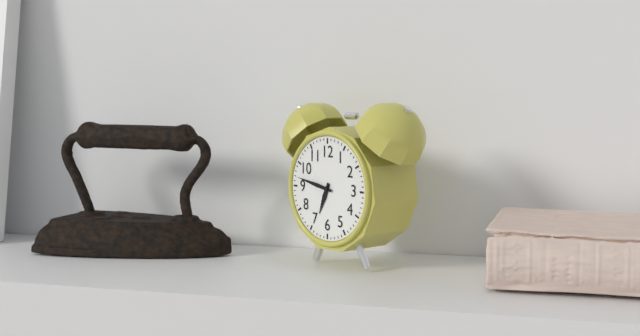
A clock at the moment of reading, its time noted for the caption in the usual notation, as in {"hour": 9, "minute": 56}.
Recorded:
{"hour": 6, "minute": 47}
